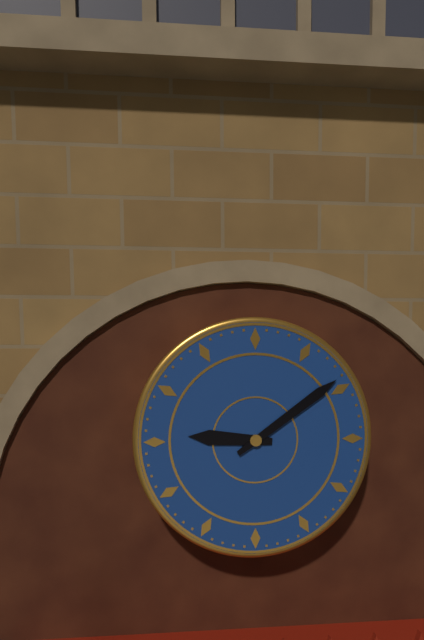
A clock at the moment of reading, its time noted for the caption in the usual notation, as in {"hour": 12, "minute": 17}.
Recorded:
{"hour": 9, "minute": 9}
